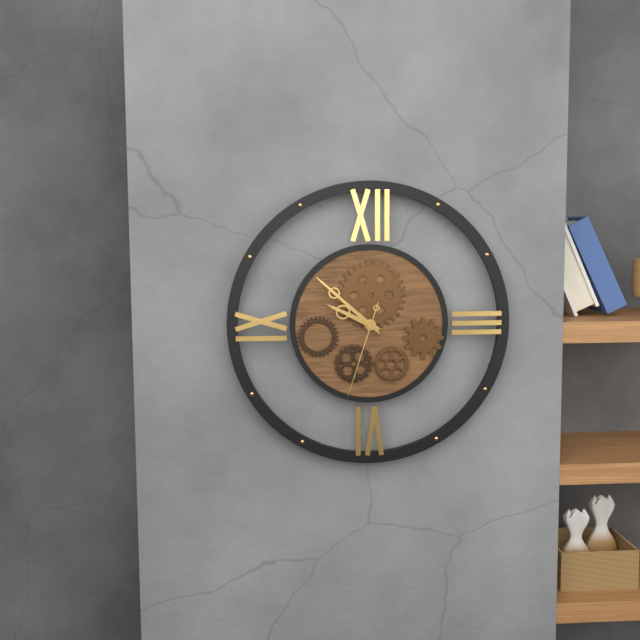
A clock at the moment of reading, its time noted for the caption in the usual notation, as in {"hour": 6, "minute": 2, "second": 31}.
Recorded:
{"hour": 9, "minute": 52, "second": 33}
